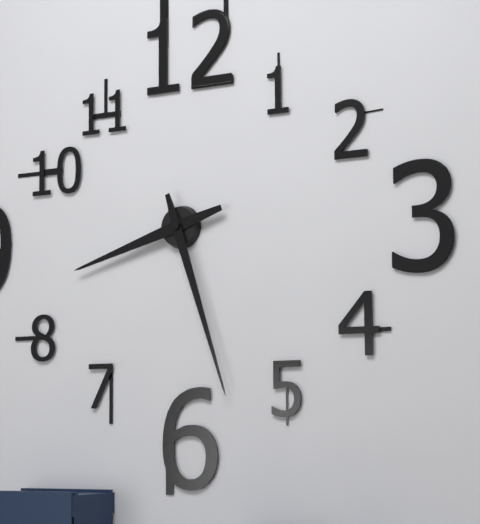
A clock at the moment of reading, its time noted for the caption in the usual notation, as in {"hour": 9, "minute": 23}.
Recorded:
{"hour": 8, "minute": 27}
